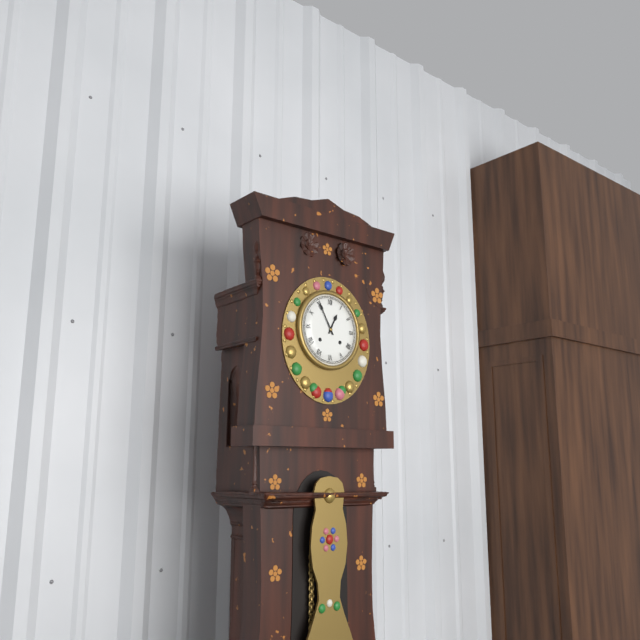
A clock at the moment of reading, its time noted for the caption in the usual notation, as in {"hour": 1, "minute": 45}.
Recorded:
{"hour": 12, "minute": 55}
